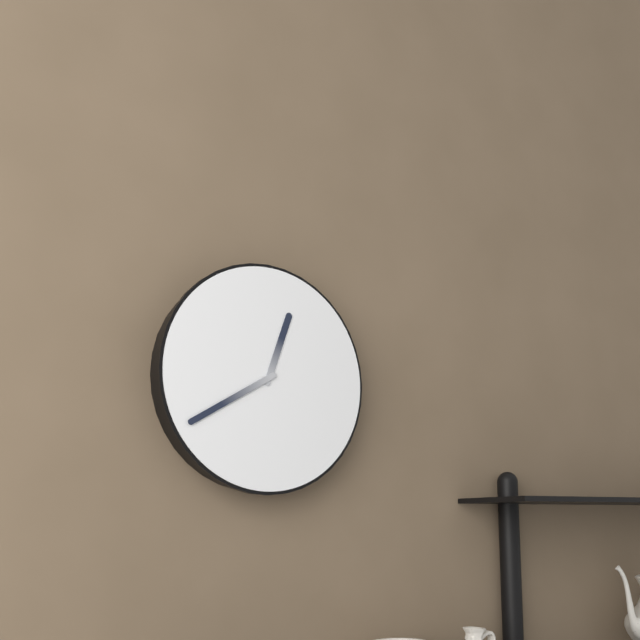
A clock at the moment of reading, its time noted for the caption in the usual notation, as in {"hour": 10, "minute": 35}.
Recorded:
{"hour": 12, "minute": 40}
